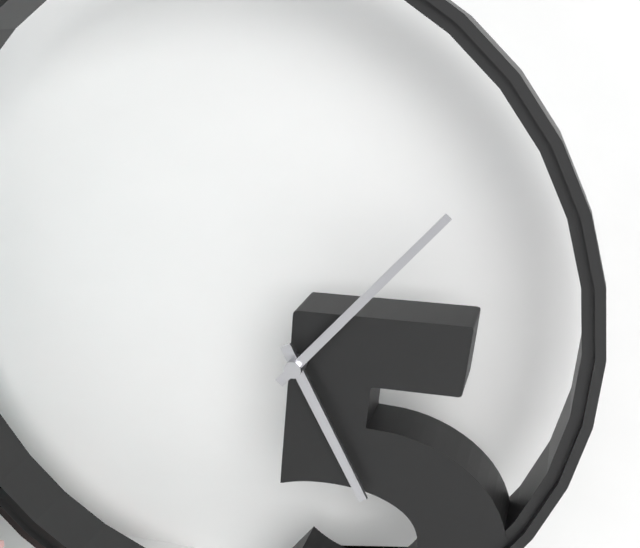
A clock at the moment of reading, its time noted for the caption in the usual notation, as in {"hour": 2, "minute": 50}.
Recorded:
{"hour": 5, "minute": 7}
